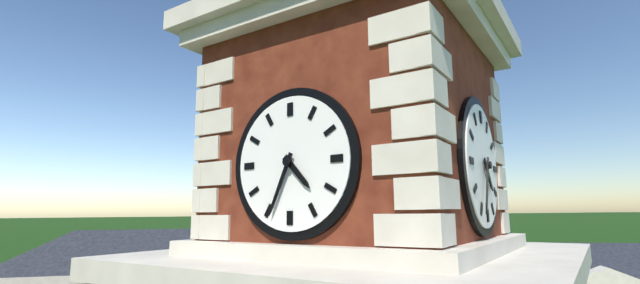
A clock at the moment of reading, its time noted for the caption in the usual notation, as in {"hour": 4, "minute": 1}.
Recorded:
{"hour": 4, "minute": 34}
